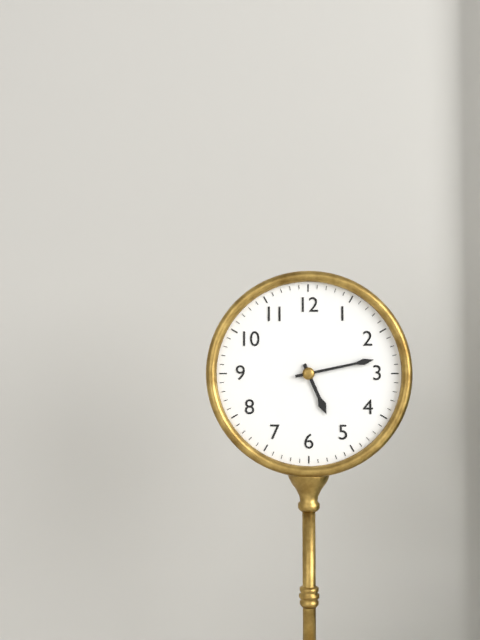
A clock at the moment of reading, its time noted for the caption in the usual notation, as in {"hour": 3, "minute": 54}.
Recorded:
{"hour": 5, "minute": 13}
